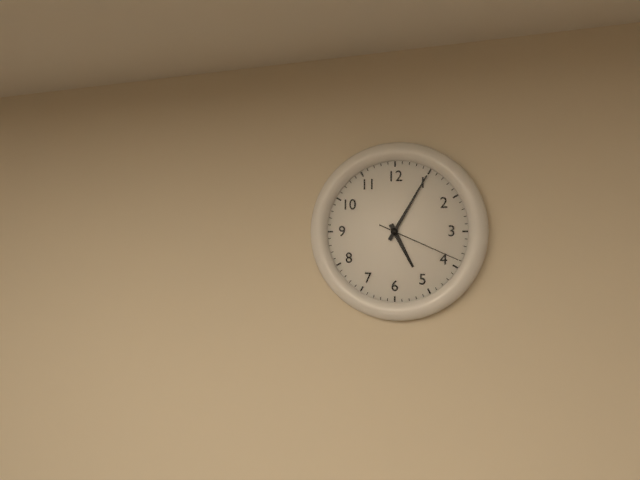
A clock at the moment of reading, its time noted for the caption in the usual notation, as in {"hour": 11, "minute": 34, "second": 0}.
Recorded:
{"hour": 5, "minute": 5, "second": 19}
